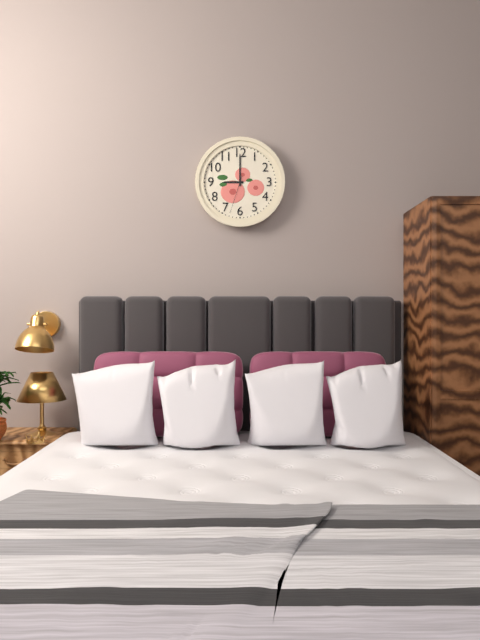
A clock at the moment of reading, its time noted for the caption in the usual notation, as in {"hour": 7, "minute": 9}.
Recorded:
{"hour": 9, "minute": 0}
